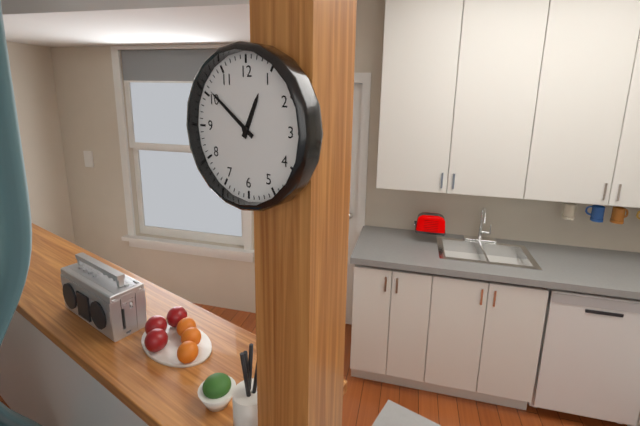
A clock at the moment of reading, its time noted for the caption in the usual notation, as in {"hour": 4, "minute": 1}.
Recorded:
{"hour": 12, "minute": 51}
